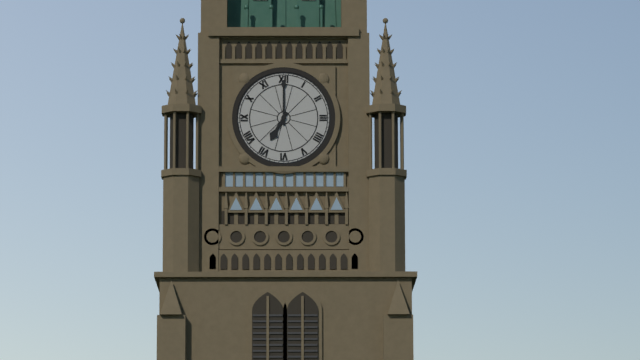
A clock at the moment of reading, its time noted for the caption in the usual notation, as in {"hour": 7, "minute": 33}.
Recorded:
{"hour": 7, "minute": 0}
